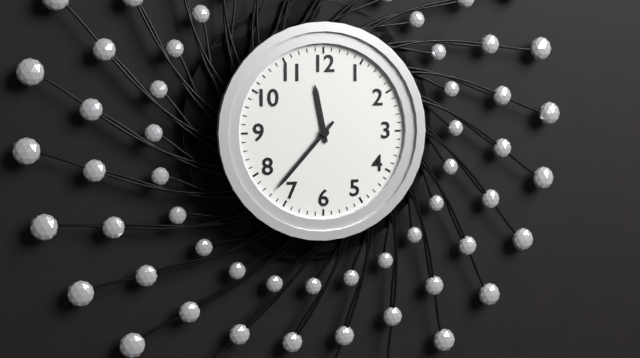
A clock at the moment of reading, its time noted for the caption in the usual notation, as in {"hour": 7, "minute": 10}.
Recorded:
{"hour": 11, "minute": 37}
